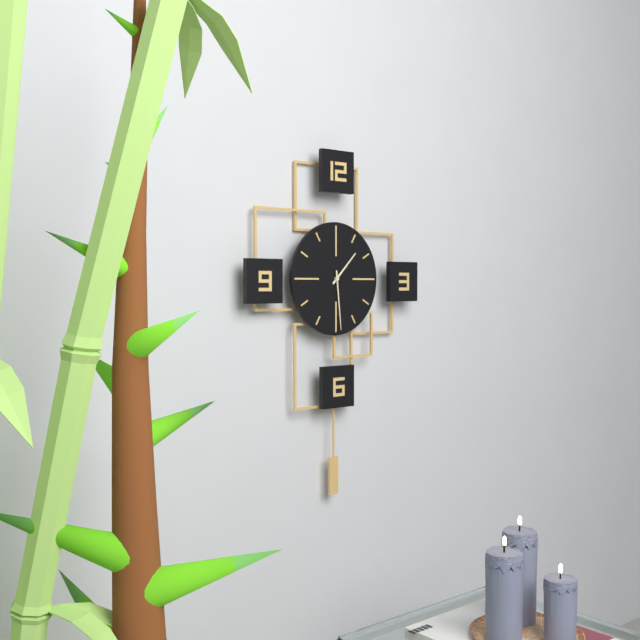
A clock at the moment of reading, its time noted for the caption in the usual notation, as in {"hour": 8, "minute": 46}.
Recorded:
{"hour": 1, "minute": 29}
